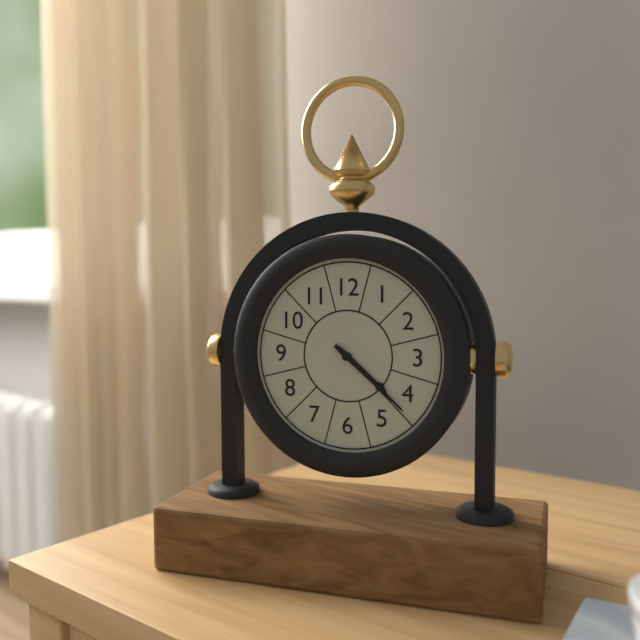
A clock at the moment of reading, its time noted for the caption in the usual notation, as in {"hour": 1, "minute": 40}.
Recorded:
{"hour": 4, "minute": 22}
